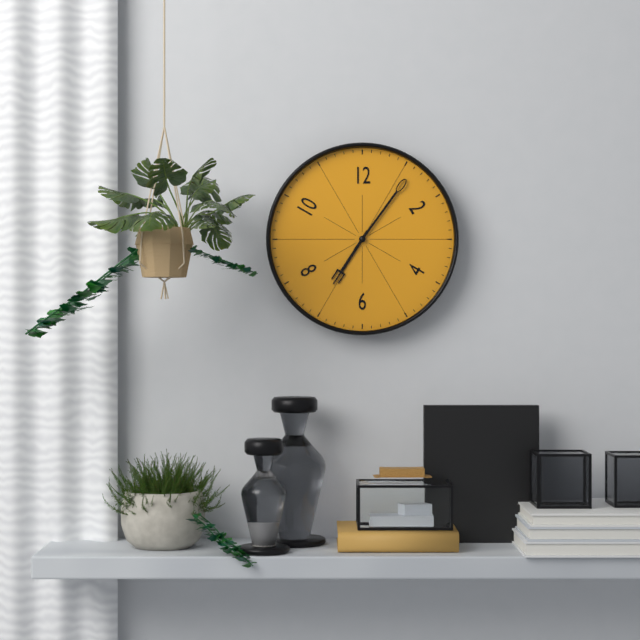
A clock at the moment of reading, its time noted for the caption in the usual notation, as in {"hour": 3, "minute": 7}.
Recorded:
{"hour": 7, "minute": 6}
